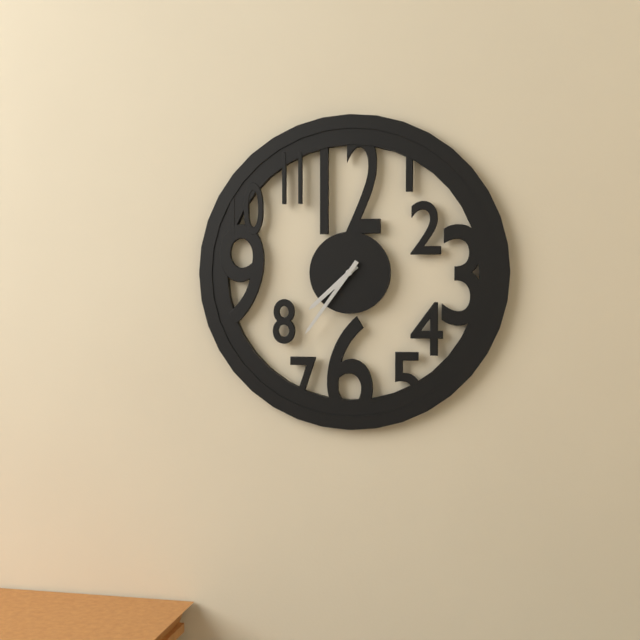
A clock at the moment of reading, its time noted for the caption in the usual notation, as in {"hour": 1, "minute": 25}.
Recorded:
{"hour": 7, "minute": 36}
